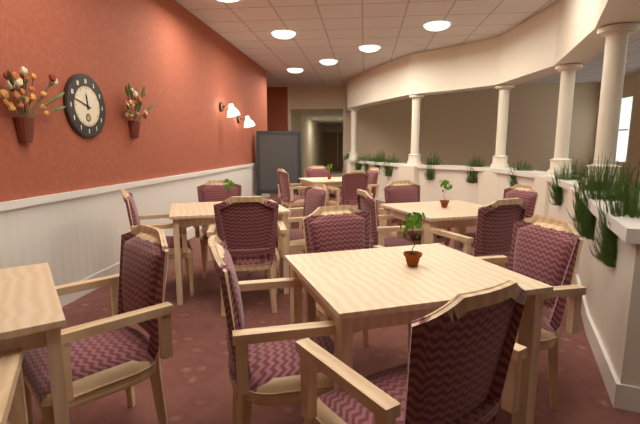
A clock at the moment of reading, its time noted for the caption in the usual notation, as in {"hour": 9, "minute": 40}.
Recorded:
{"hour": 11, "minute": 48}
